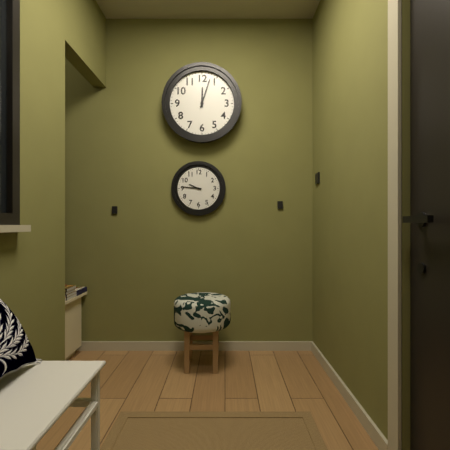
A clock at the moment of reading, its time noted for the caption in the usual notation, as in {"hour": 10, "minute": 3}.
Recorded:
{"hour": 12, "minute": 3}
